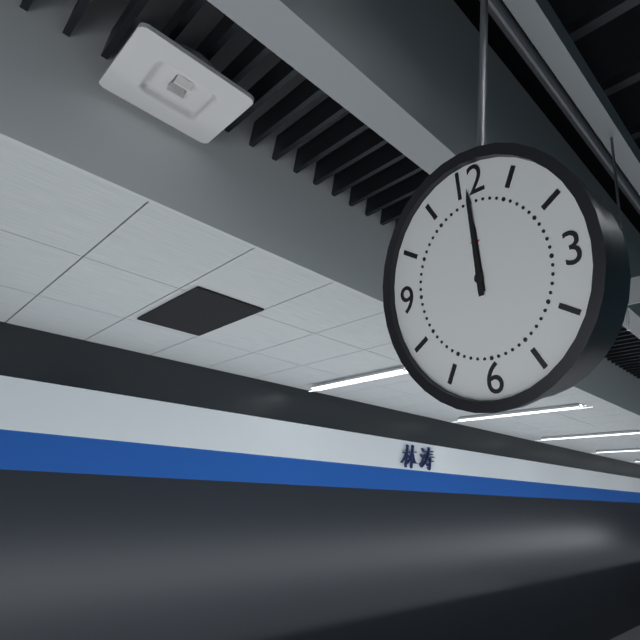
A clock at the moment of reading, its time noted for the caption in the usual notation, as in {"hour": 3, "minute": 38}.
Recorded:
{"hour": 12, "minute": 0}
